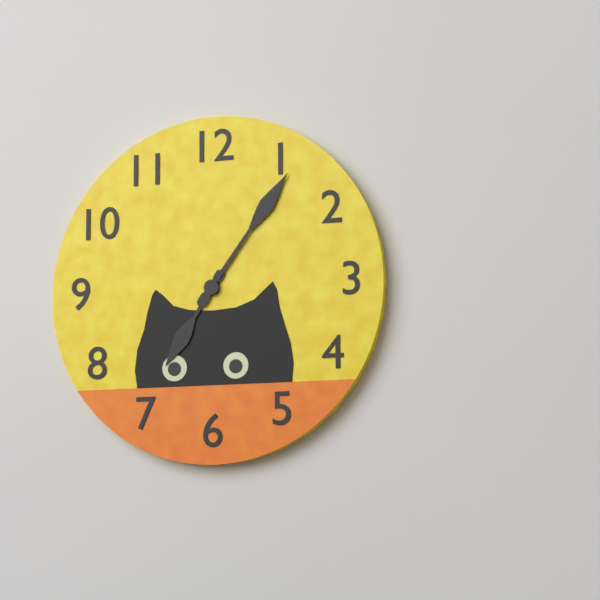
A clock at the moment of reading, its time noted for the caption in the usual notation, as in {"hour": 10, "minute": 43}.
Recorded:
{"hour": 7, "minute": 6}
